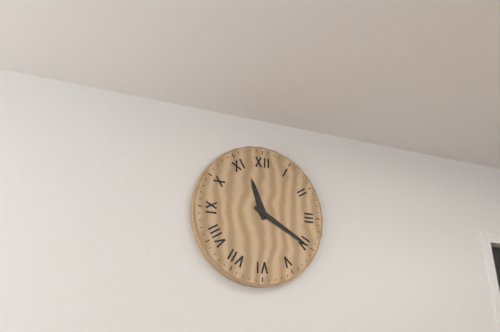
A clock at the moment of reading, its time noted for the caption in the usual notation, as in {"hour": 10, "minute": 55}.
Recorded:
{"hour": 11, "minute": 20}
